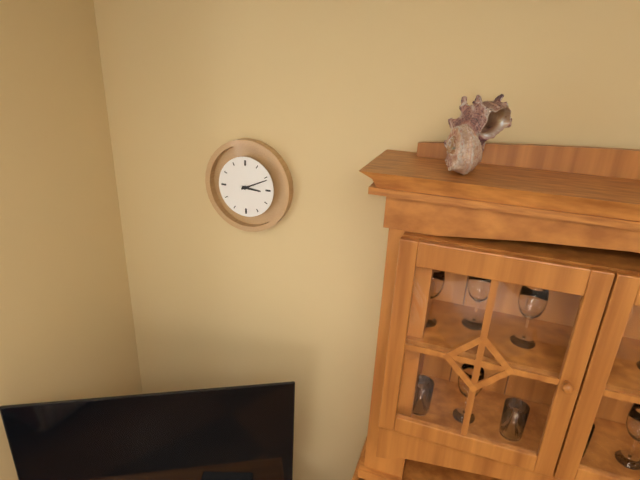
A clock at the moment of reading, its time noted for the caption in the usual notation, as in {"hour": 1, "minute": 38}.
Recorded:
{"hour": 3, "minute": 11}
